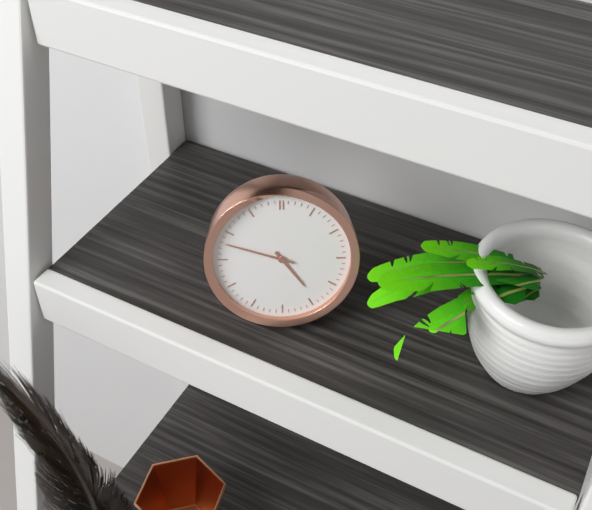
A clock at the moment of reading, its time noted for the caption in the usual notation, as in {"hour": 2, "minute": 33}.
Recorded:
{"hour": 4, "minute": 48}
